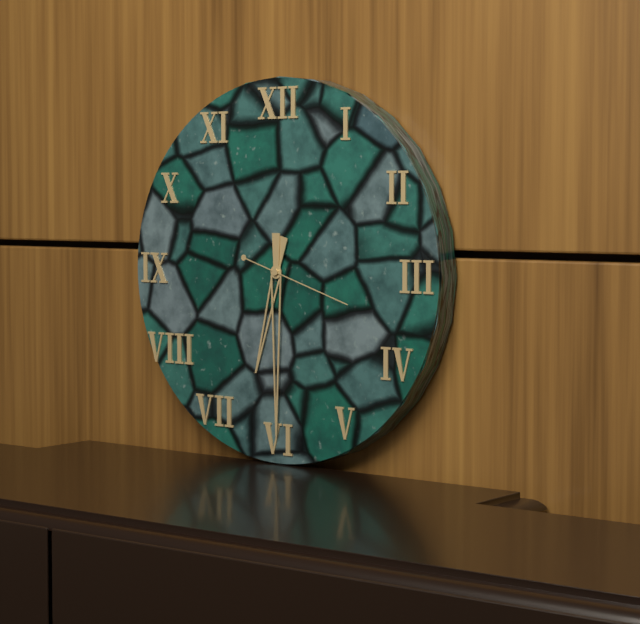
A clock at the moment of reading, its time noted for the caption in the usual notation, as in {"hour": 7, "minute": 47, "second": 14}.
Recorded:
{"hour": 6, "minute": 30, "second": 18}
